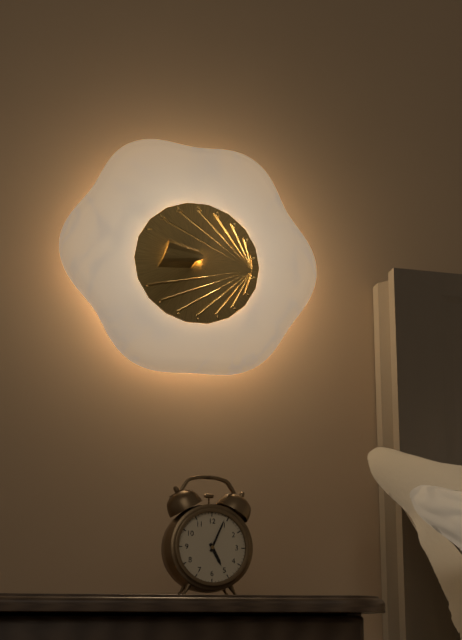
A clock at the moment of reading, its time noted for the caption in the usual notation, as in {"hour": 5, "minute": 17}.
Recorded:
{"hour": 5, "minute": 4}
